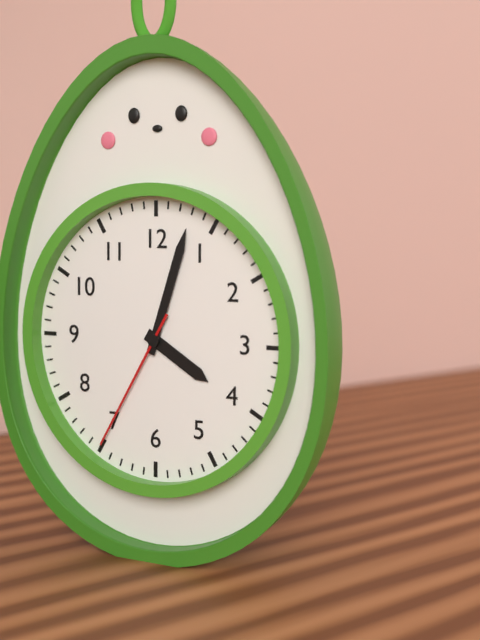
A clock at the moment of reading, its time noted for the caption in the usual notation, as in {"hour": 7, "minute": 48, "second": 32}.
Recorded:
{"hour": 4, "minute": 3, "second": 35}
